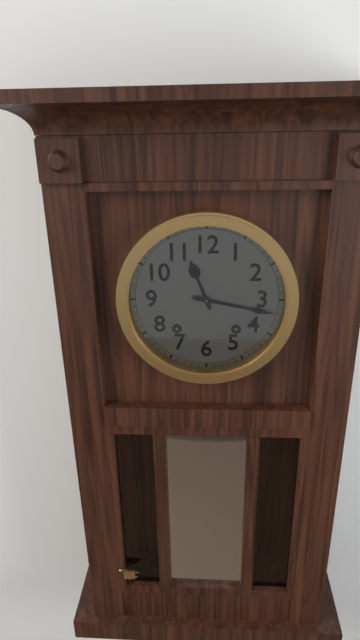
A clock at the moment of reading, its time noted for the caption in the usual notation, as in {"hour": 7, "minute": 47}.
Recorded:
{"hour": 11, "minute": 17}
